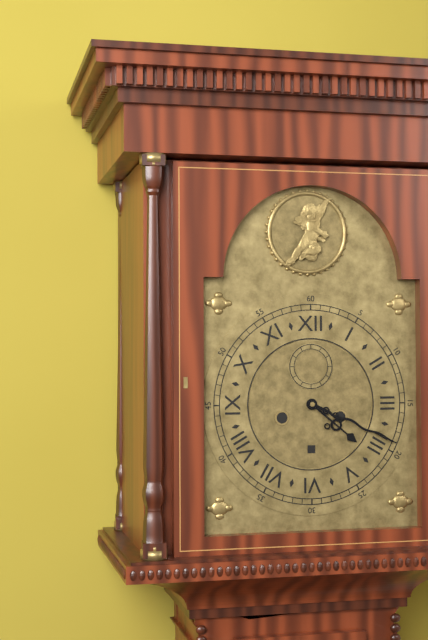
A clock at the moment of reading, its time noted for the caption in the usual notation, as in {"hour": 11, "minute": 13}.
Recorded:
{"hour": 4, "minute": 19}
